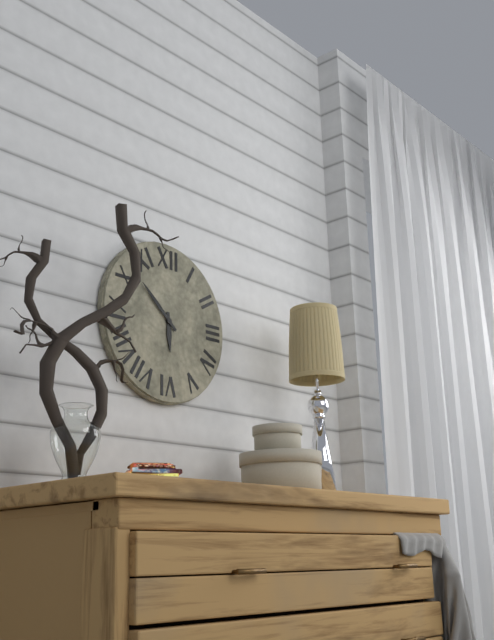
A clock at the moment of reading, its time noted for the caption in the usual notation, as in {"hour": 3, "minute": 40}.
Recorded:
{"hour": 5, "minute": 52}
